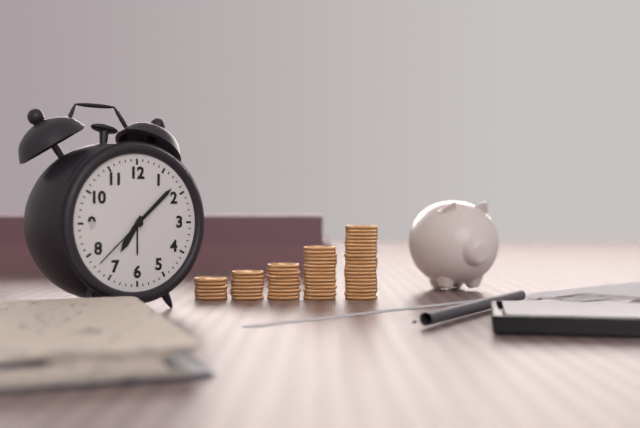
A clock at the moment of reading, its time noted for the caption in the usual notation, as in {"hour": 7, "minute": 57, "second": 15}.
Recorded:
{"hour": 7, "minute": 8, "second": 38}
